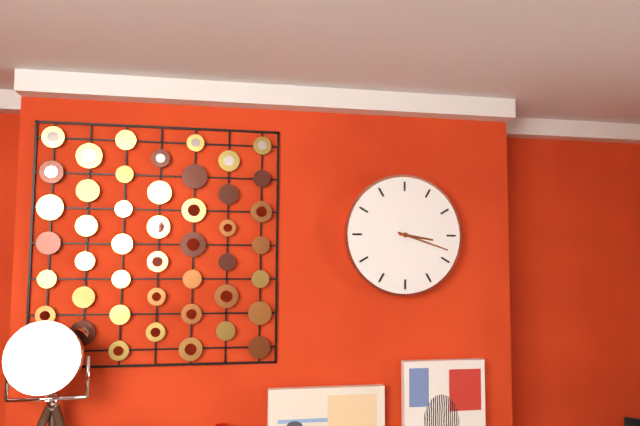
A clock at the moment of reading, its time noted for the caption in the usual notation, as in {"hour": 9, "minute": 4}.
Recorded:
{"hour": 3, "minute": 18}
